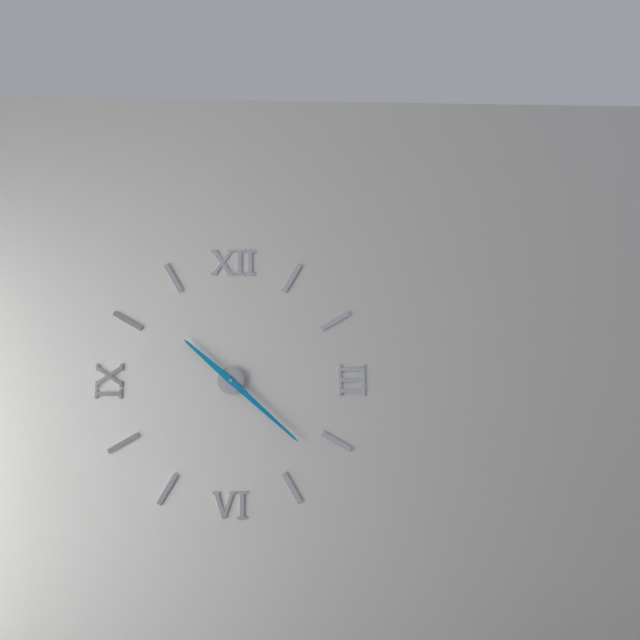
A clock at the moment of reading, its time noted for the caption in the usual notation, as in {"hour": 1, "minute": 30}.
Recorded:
{"hour": 10, "minute": 22}
